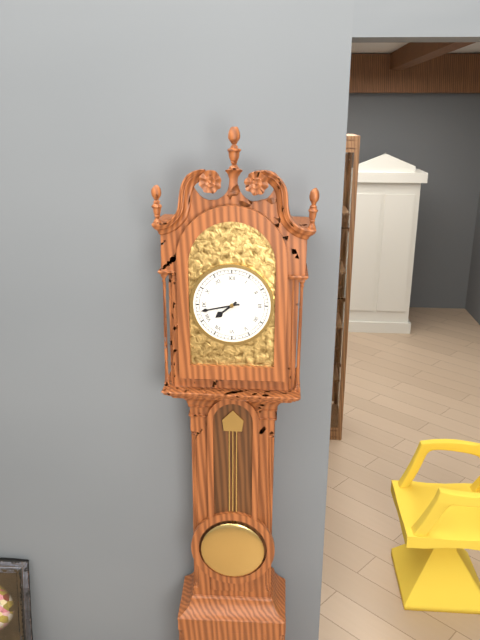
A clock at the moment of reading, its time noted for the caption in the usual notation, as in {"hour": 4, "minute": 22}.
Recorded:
{"hour": 7, "minute": 43}
